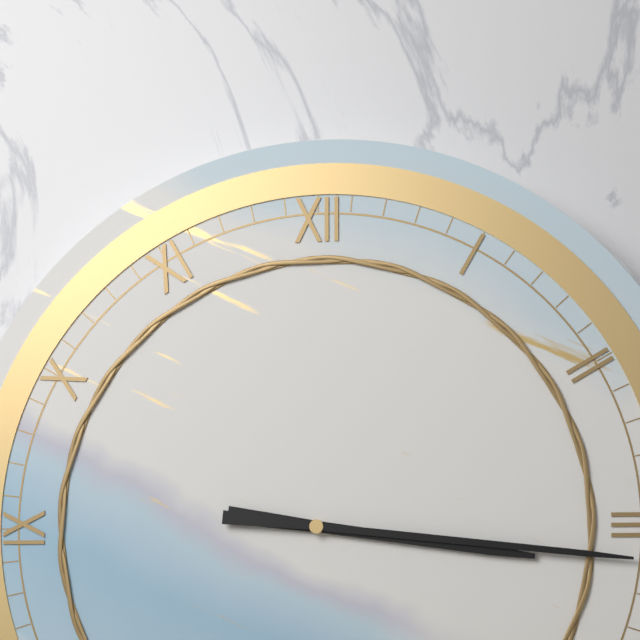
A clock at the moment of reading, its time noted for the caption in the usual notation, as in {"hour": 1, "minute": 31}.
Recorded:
{"hour": 3, "minute": 16}
